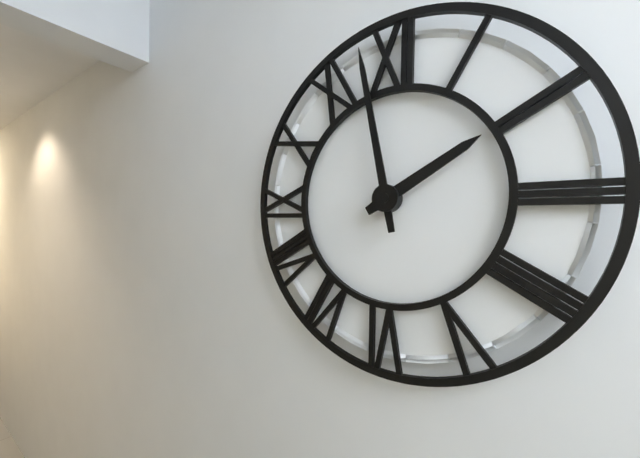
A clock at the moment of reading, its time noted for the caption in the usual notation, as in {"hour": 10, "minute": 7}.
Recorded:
{"hour": 1, "minute": 58}
